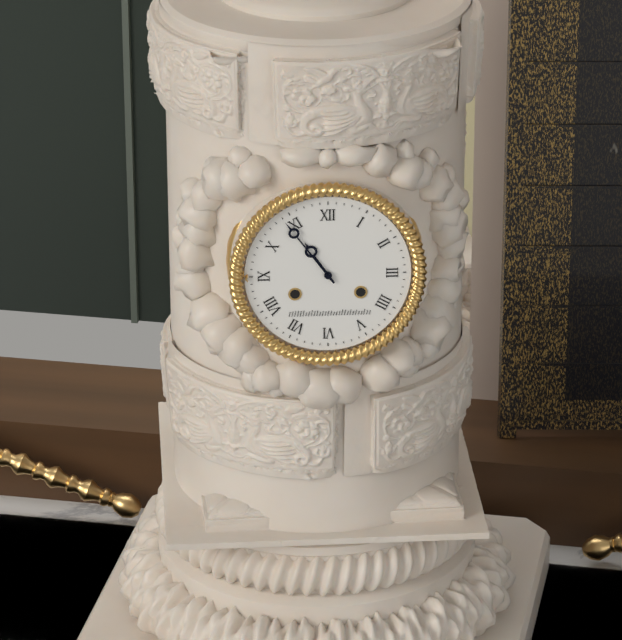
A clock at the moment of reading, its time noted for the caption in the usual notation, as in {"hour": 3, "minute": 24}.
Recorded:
{"hour": 10, "minute": 54}
